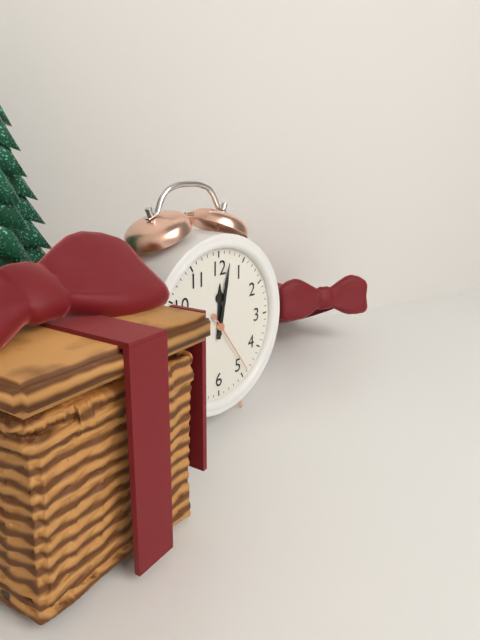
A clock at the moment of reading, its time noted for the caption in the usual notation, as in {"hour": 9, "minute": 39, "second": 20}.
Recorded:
{"hour": 12, "minute": 2, "second": 24}
